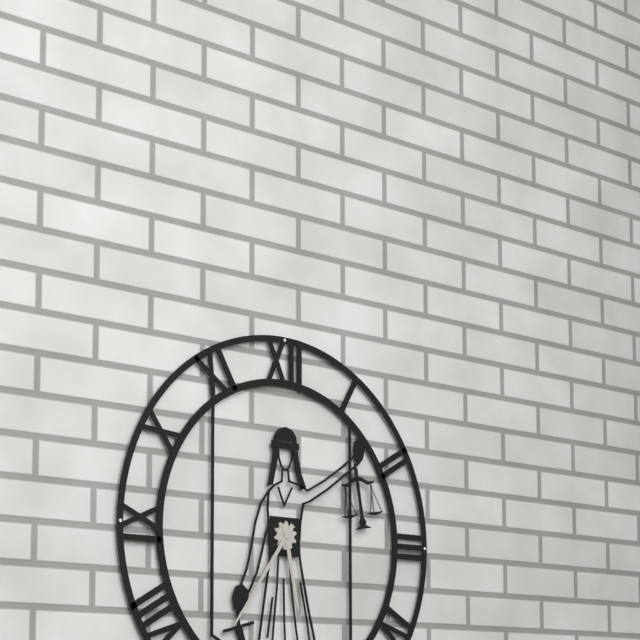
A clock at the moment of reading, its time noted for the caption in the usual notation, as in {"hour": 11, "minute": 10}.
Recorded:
{"hour": 5, "minute": 36}
